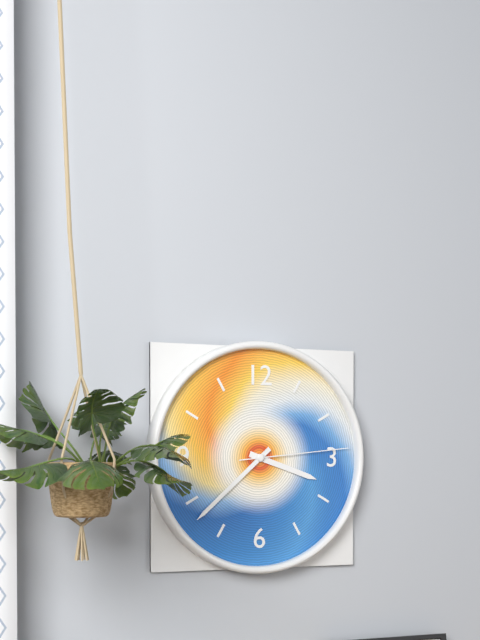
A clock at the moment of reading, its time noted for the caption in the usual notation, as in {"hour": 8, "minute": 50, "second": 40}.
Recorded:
{"hour": 3, "minute": 38, "second": 14}
